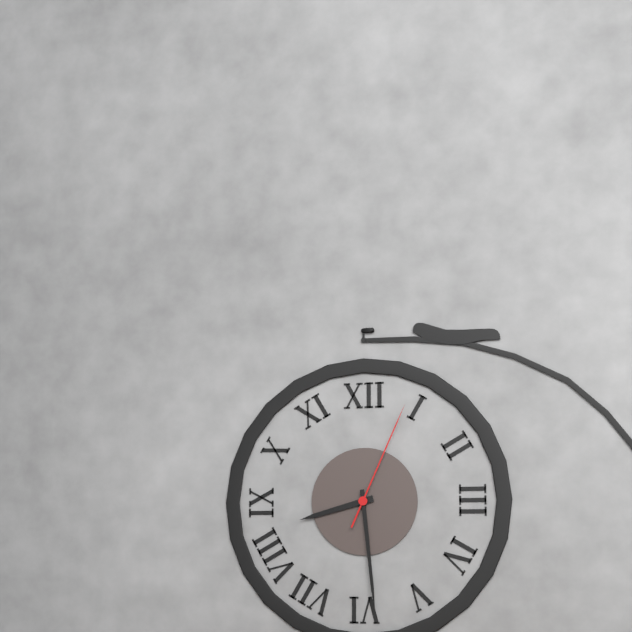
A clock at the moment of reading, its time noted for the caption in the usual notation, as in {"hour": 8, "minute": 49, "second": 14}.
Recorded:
{"hour": 8, "minute": 29, "second": 4}
